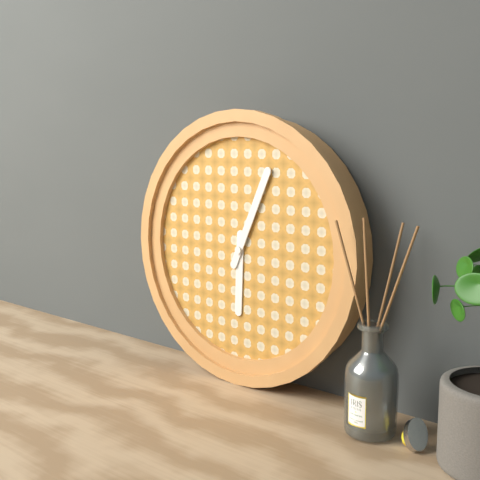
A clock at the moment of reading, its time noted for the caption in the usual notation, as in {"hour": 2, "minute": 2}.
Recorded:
{"hour": 6, "minute": 4}
